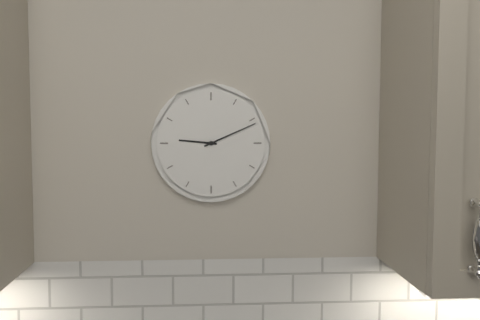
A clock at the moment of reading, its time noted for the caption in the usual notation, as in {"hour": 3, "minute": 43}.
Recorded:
{"hour": 9, "minute": 11}
